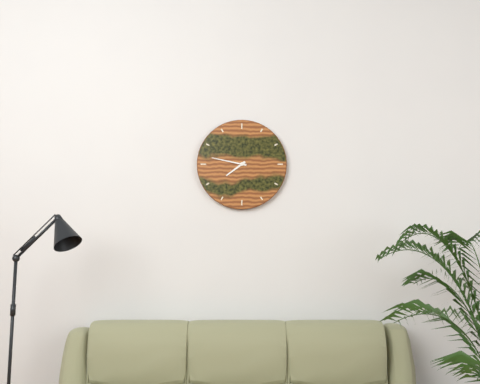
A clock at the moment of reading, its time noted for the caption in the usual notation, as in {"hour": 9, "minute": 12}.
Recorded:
{"hour": 7, "minute": 47}
